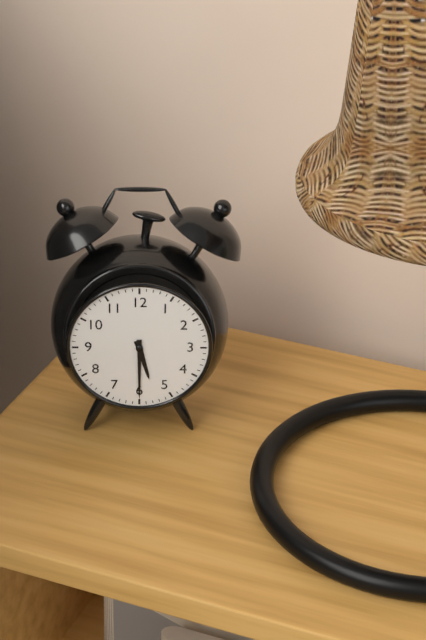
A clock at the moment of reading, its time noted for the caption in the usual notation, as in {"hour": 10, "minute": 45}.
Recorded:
{"hour": 5, "minute": 30}
